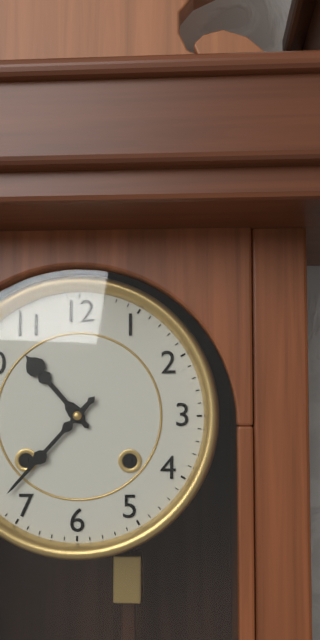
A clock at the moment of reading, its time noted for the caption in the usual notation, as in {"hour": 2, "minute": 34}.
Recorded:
{"hour": 10, "minute": 37}
